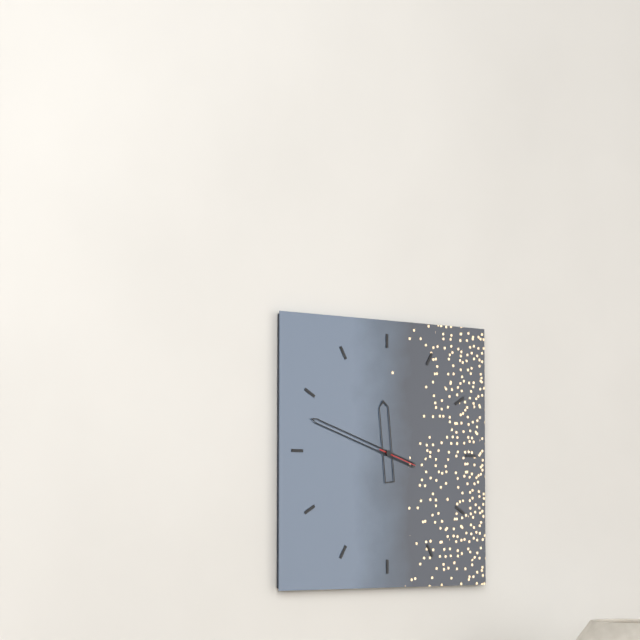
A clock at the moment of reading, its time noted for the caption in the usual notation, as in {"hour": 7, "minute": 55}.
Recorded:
{"hour": 11, "minute": 48}
